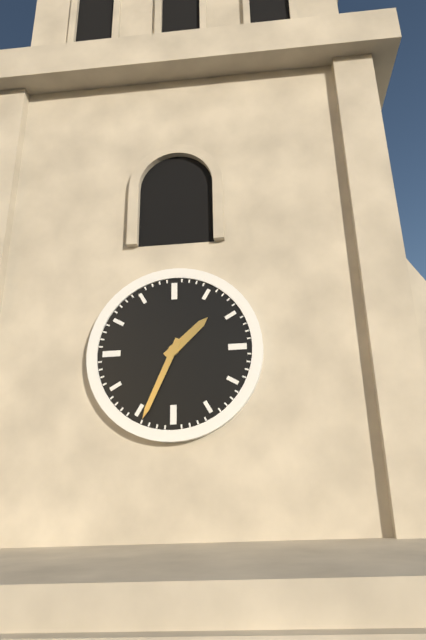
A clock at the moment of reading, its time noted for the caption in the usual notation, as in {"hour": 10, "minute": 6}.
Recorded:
{"hour": 1, "minute": 34}
